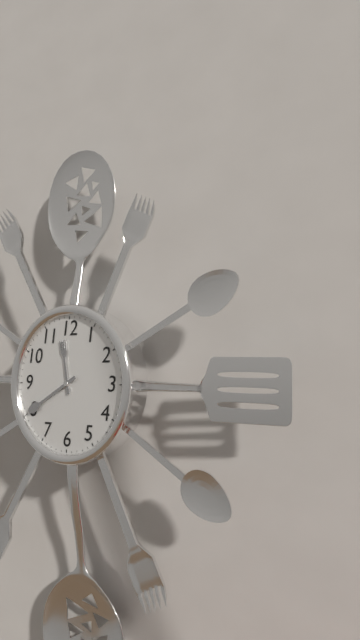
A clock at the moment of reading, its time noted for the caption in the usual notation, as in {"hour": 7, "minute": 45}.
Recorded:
{"hour": 11, "minute": 40}
